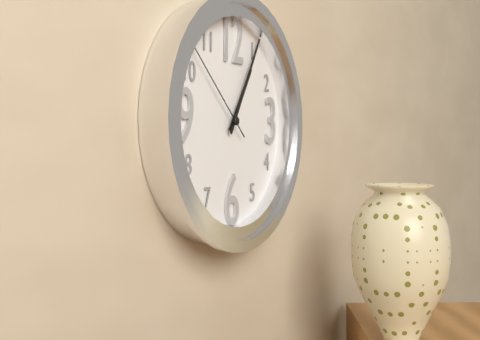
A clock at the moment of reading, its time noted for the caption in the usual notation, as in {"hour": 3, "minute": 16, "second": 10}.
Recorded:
{"hour": 1, "minute": 5, "second": 52}
